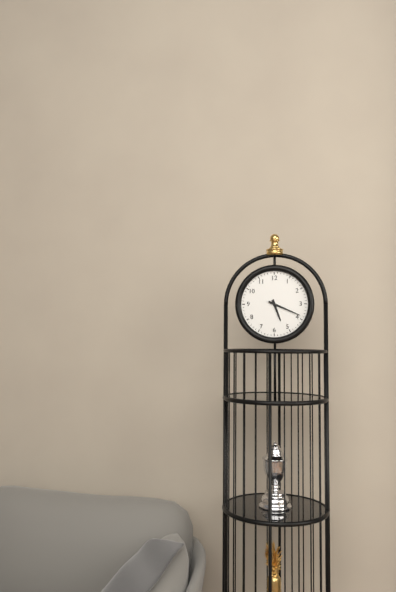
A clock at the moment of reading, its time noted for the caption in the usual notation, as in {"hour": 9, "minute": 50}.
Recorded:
{"hour": 5, "minute": 19}
